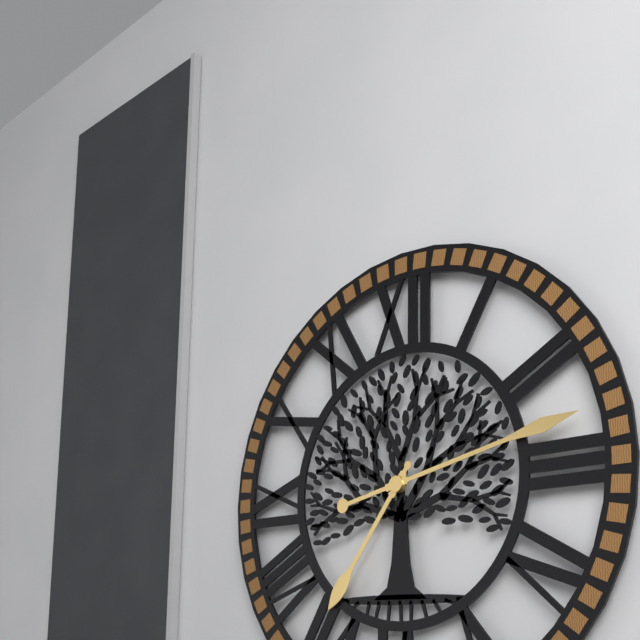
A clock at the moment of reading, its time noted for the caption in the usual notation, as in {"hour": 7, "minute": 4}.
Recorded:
{"hour": 7, "minute": 13}
